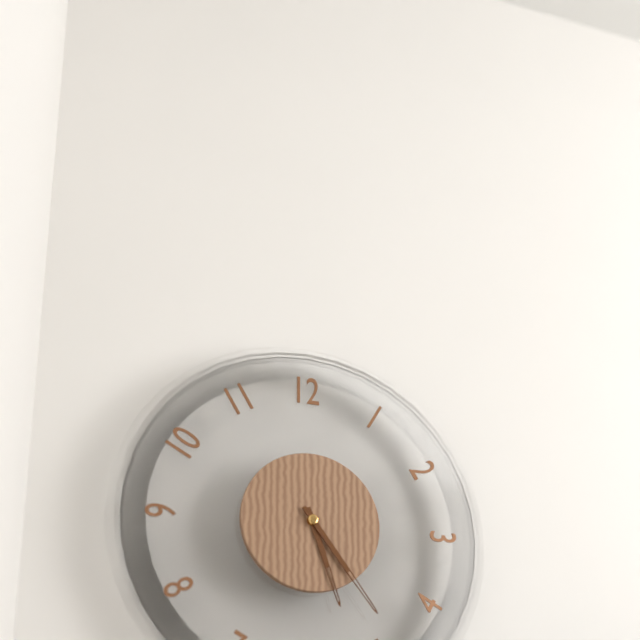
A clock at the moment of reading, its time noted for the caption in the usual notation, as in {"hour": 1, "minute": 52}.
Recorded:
{"hour": 5, "minute": 24}
